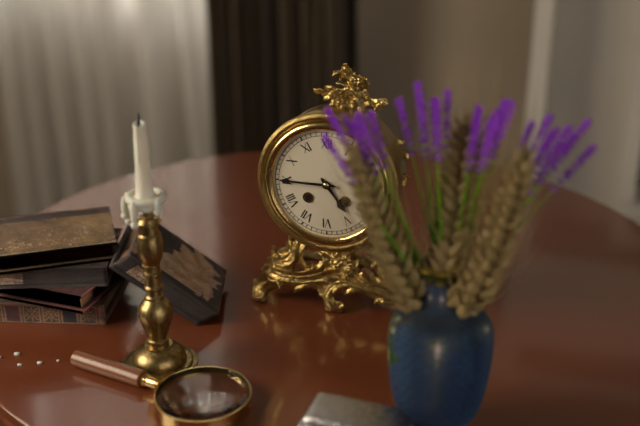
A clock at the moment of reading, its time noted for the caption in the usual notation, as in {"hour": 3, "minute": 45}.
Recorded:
{"hour": 4, "minute": 45}
